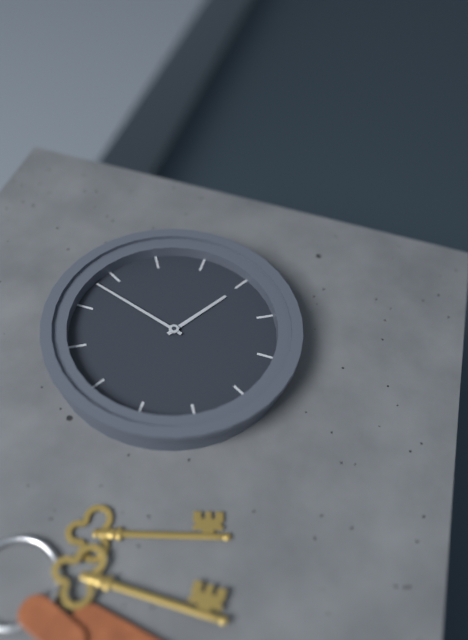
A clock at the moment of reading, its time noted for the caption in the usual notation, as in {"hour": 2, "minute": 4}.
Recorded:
{"hour": 4, "minute": 3}
